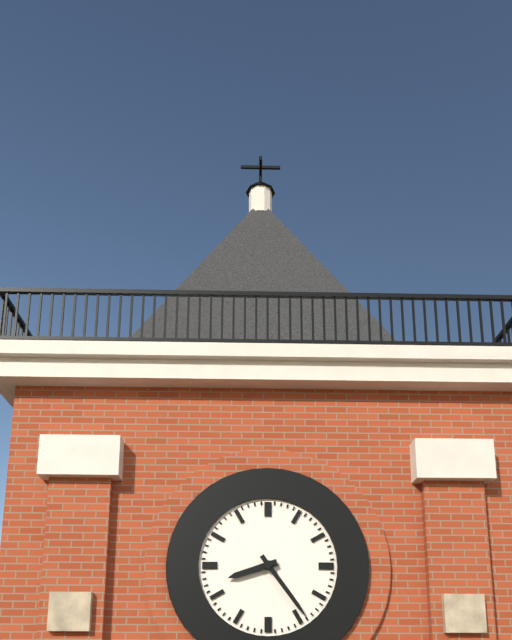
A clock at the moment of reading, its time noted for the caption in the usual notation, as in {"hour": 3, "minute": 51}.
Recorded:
{"hour": 8, "minute": 24}
